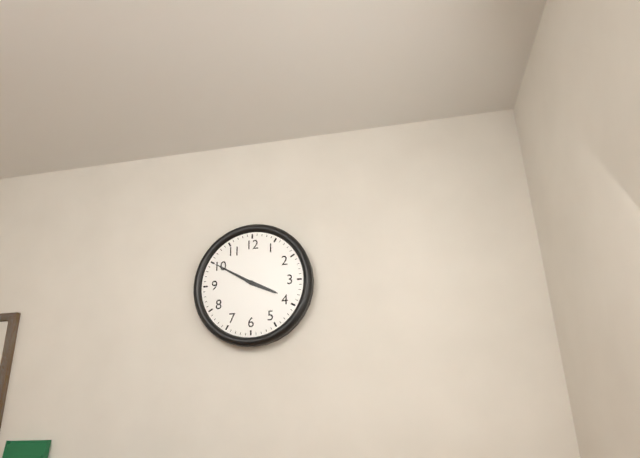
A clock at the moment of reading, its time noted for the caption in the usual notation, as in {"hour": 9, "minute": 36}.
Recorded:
{"hour": 3, "minute": 50}
